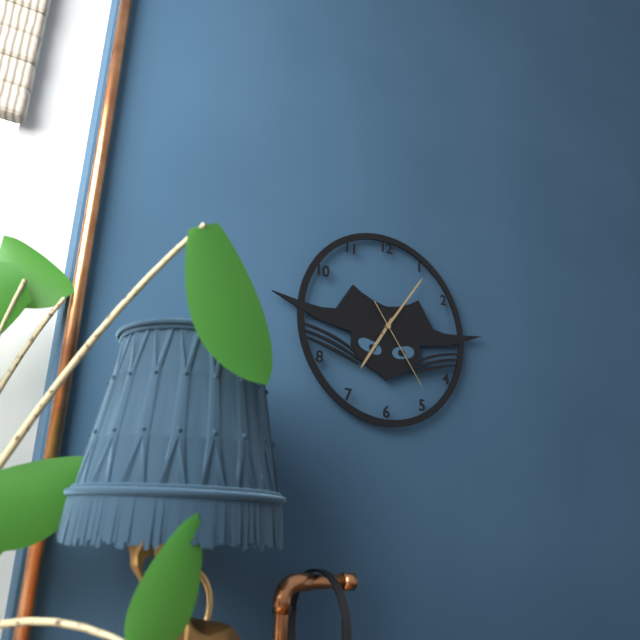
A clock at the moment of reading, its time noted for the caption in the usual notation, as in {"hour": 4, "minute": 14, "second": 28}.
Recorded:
{"hour": 7, "minute": 6, "second": 24}
